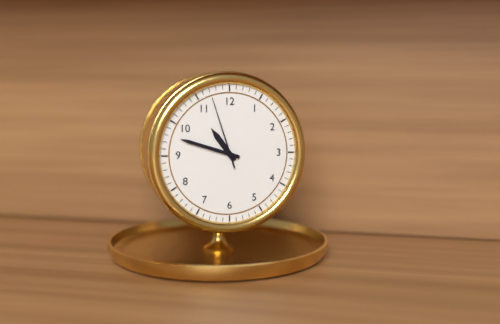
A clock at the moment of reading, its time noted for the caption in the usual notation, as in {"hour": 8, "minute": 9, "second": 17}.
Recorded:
{"hour": 10, "minute": 48, "second": 57}
